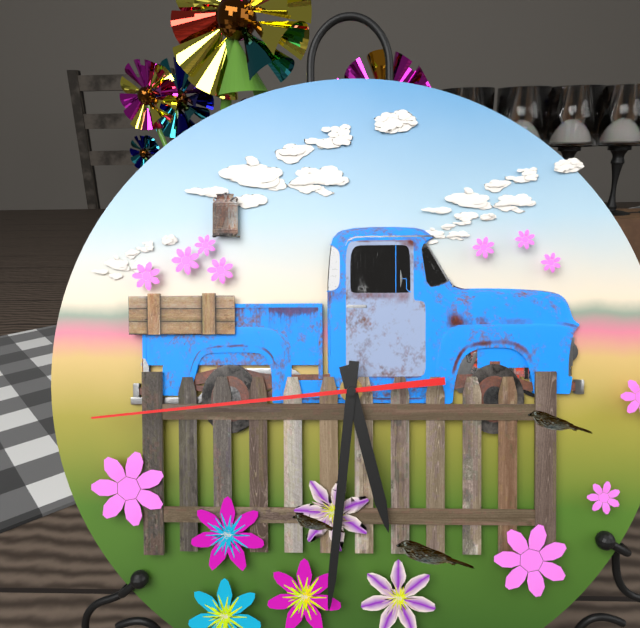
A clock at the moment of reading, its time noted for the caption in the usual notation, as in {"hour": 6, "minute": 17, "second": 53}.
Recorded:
{"hour": 5, "minute": 31, "second": 44}
